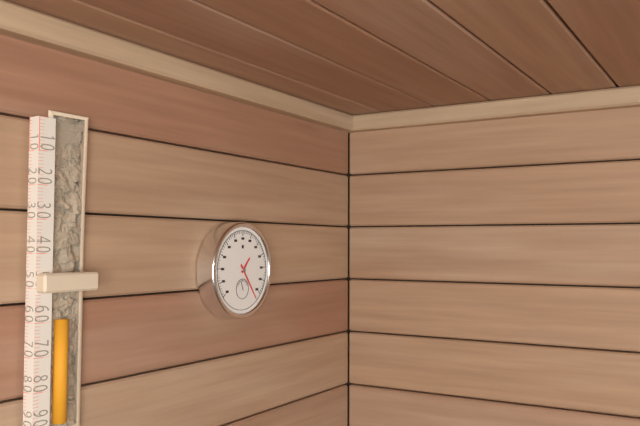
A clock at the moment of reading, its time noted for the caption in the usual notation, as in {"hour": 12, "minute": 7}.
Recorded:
{"hour": 1, "minute": 24}
